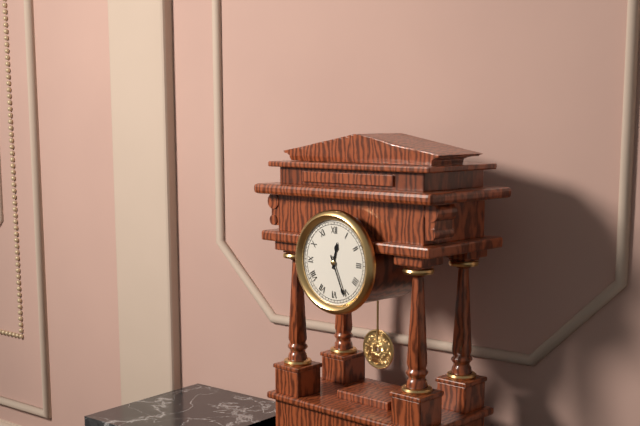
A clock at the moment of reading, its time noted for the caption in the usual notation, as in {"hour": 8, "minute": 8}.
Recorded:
{"hour": 12, "minute": 26}
